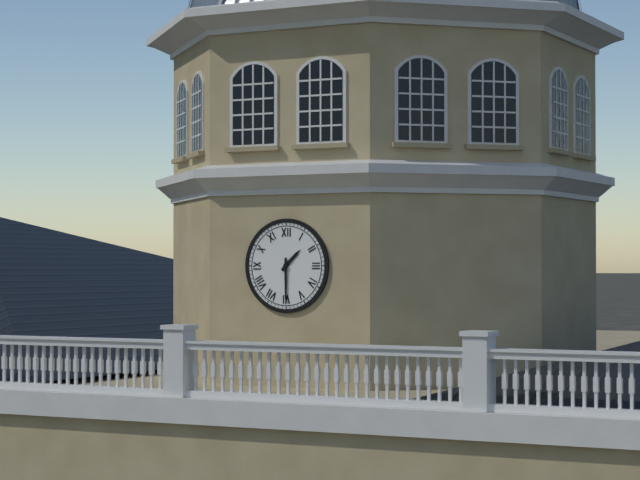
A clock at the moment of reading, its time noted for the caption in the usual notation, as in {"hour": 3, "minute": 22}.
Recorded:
{"hour": 1, "minute": 30}
